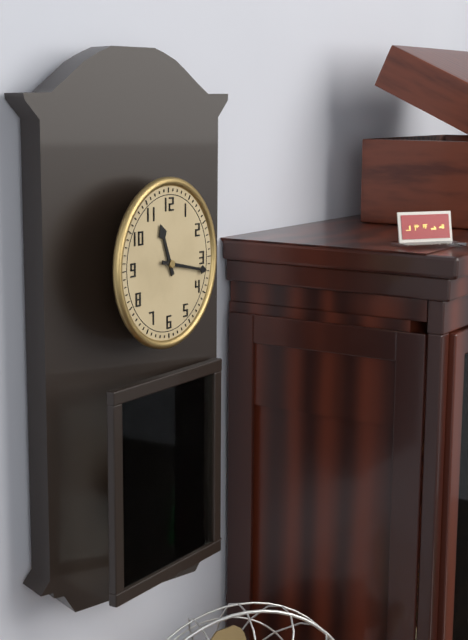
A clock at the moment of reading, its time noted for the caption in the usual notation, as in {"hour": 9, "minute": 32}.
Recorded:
{"hour": 11, "minute": 17}
